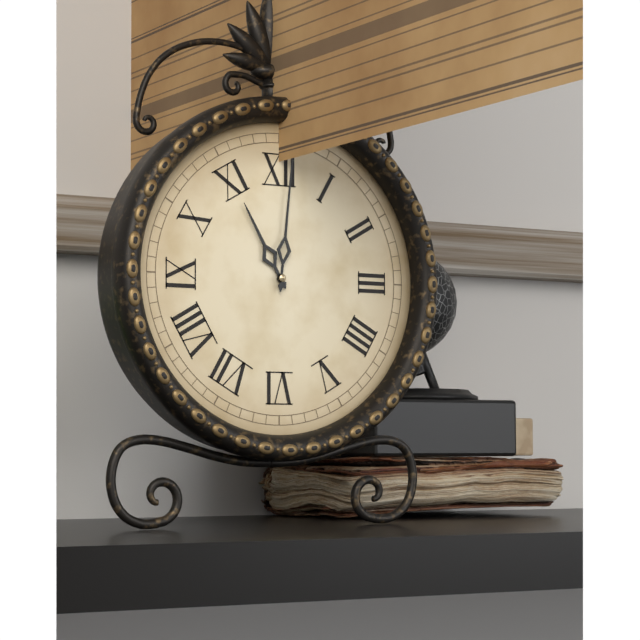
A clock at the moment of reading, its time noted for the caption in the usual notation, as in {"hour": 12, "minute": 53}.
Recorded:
{"hour": 11, "minute": 1}
